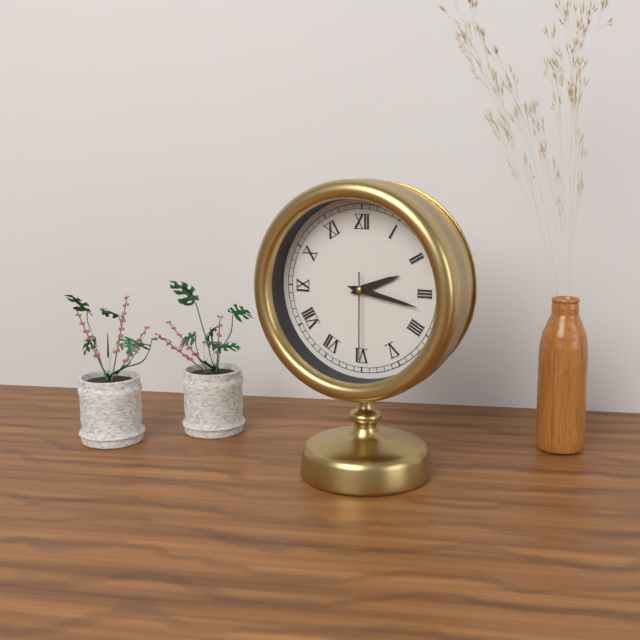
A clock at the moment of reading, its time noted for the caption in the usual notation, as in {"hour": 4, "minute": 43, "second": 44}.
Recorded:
{"hour": 2, "minute": 17, "second": 30}
